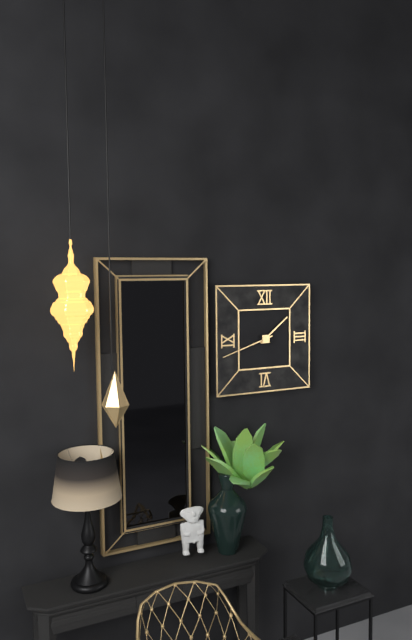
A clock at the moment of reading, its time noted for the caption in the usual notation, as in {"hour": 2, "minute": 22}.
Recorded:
{"hour": 1, "minute": 42}
